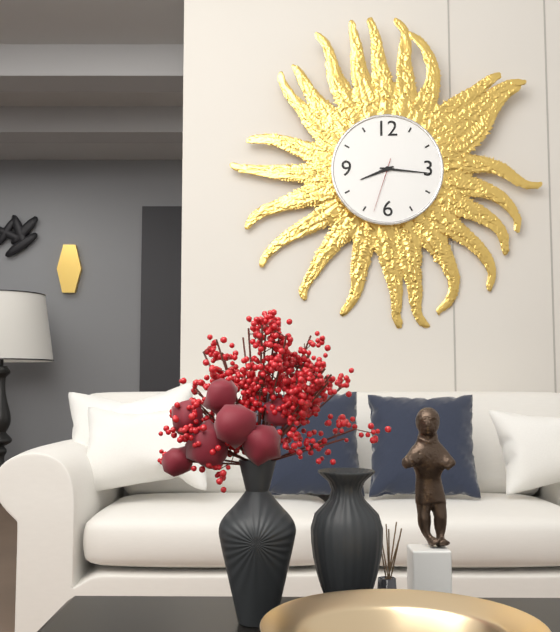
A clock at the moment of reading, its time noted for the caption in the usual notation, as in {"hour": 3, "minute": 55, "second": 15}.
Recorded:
{"hour": 8, "minute": 16, "second": 33}
